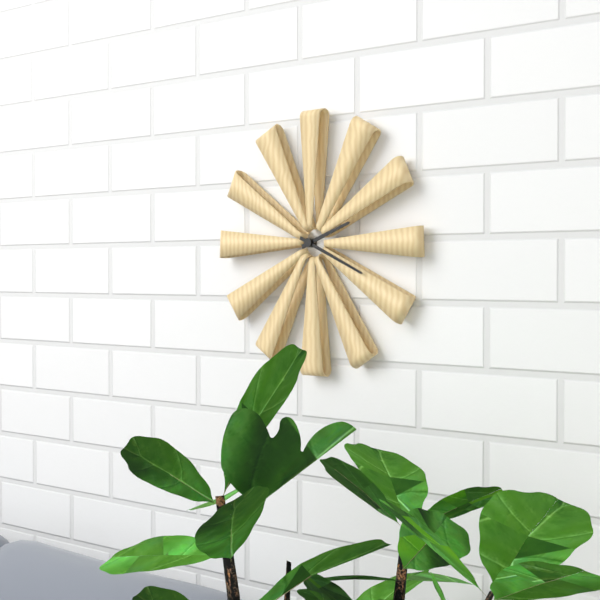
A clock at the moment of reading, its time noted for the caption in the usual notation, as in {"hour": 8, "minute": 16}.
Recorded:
{"hour": 2, "minute": 19}
